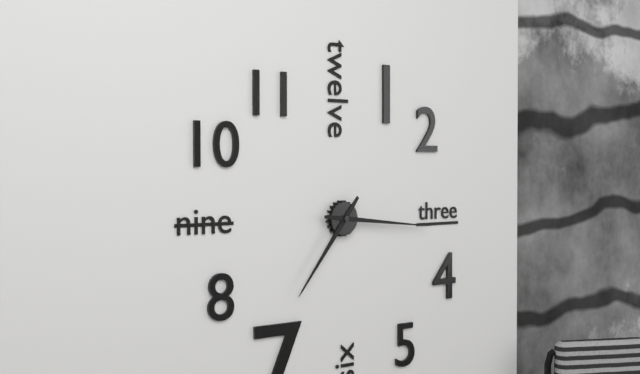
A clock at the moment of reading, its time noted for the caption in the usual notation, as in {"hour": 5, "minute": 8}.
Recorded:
{"hour": 7, "minute": 16}
